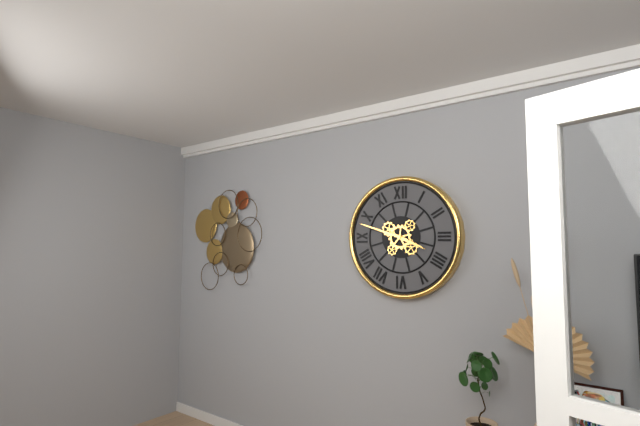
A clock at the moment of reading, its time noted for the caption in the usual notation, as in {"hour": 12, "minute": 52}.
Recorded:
{"hour": 3, "minute": 48}
